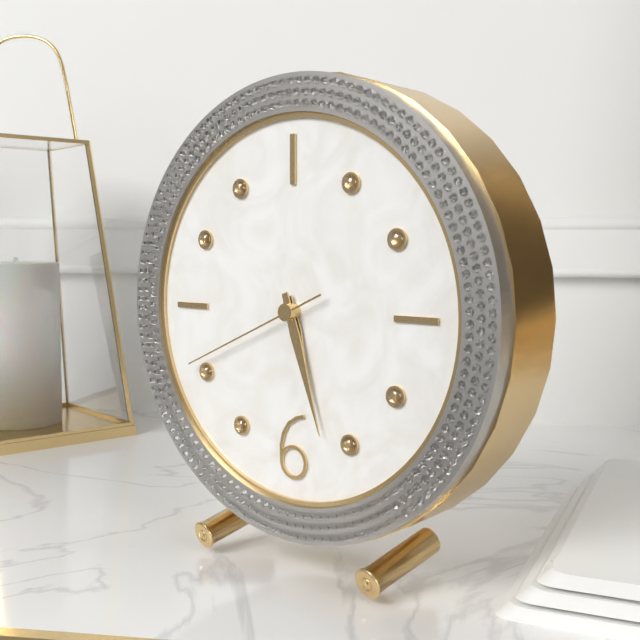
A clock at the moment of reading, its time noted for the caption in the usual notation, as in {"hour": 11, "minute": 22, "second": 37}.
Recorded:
{"hour": 5, "minute": 27, "second": 41}
